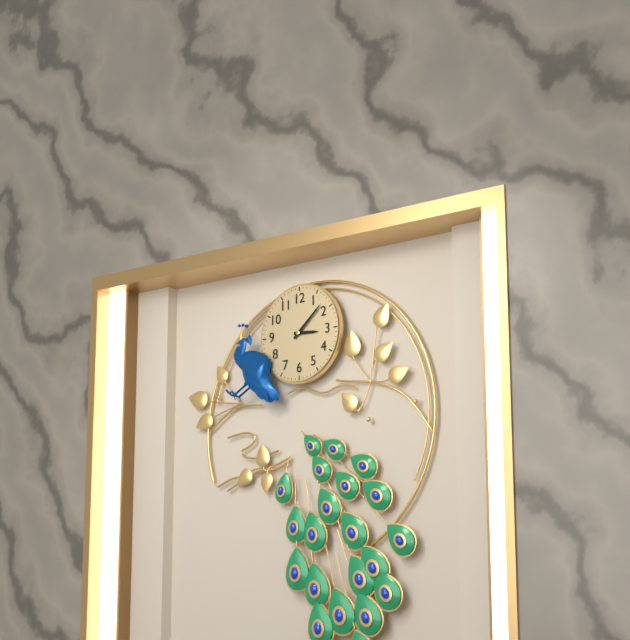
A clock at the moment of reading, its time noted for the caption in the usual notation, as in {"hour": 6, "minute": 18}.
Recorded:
{"hour": 3, "minute": 8}
